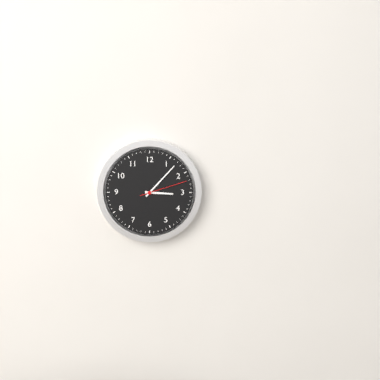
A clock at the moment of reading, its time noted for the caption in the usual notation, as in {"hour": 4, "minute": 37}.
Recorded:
{"hour": 3, "minute": 7}
